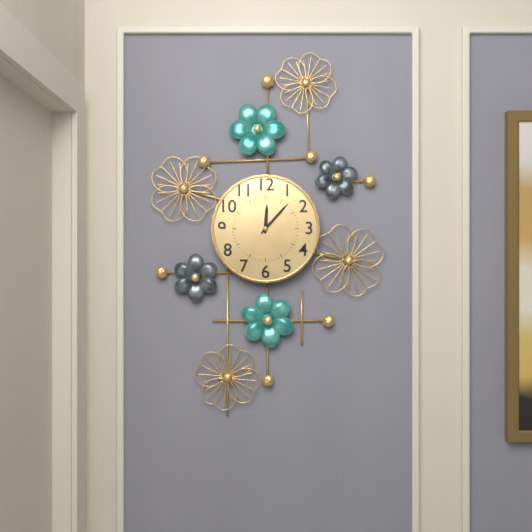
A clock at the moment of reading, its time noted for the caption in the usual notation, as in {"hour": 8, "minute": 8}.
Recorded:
{"hour": 12, "minute": 7}
